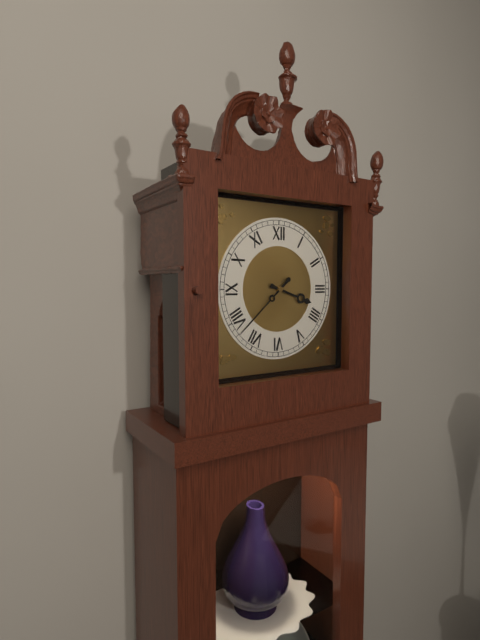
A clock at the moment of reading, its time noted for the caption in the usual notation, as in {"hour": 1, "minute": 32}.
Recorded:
{"hour": 3, "minute": 38}
